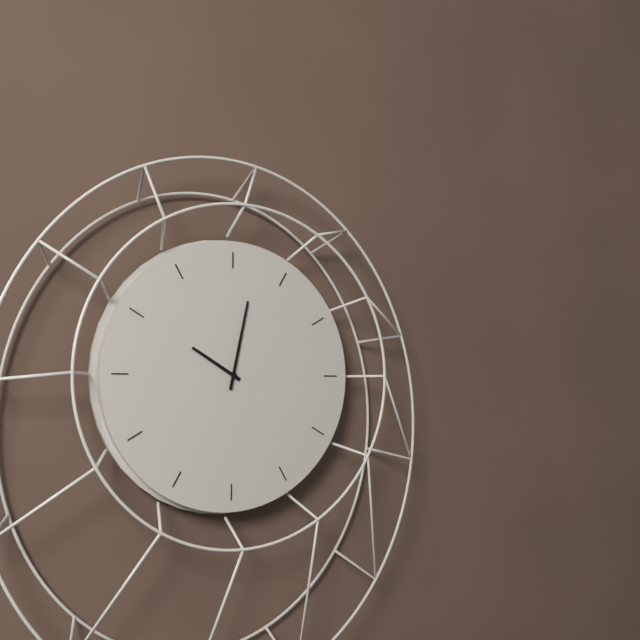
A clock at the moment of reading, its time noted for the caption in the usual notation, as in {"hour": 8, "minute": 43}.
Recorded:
{"hour": 10, "minute": 2}
